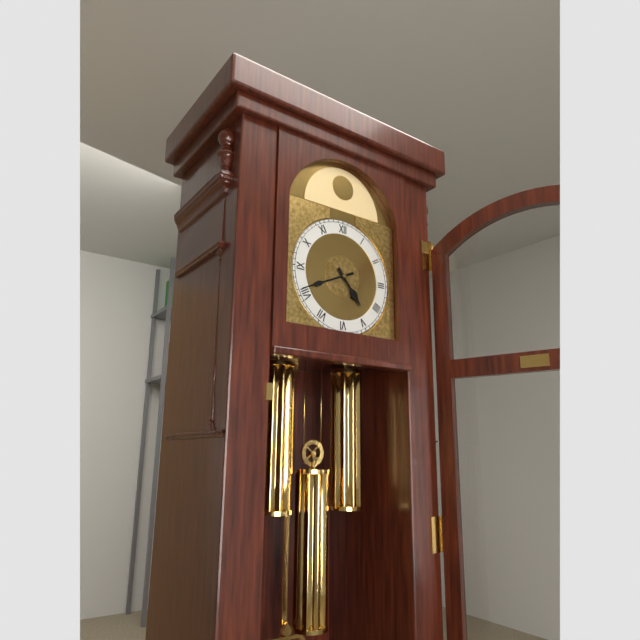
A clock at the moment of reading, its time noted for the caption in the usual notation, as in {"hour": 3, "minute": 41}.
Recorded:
{"hour": 4, "minute": 41}
